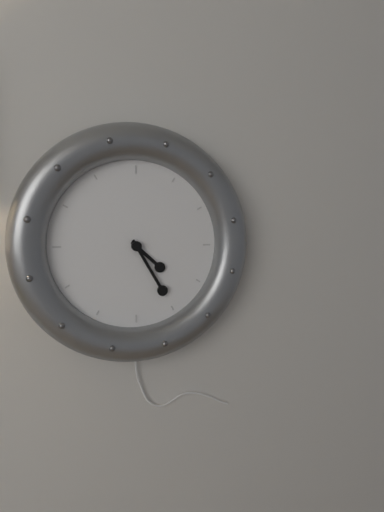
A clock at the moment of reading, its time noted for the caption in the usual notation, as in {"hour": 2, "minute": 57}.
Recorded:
{"hour": 4, "minute": 25}
